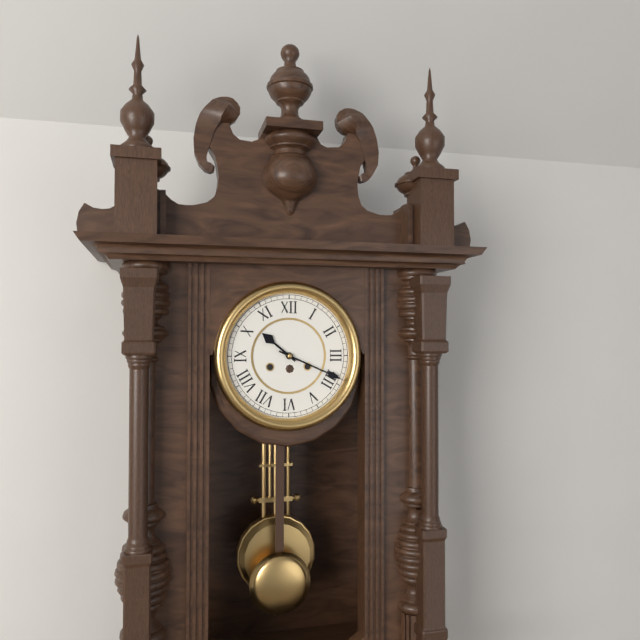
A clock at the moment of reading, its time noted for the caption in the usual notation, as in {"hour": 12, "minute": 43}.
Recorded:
{"hour": 10, "minute": 19}
